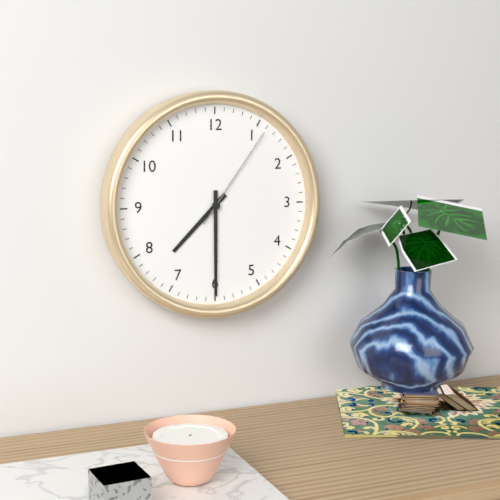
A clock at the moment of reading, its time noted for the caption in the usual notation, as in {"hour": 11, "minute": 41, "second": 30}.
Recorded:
{"hour": 7, "minute": 30, "second": 6}
